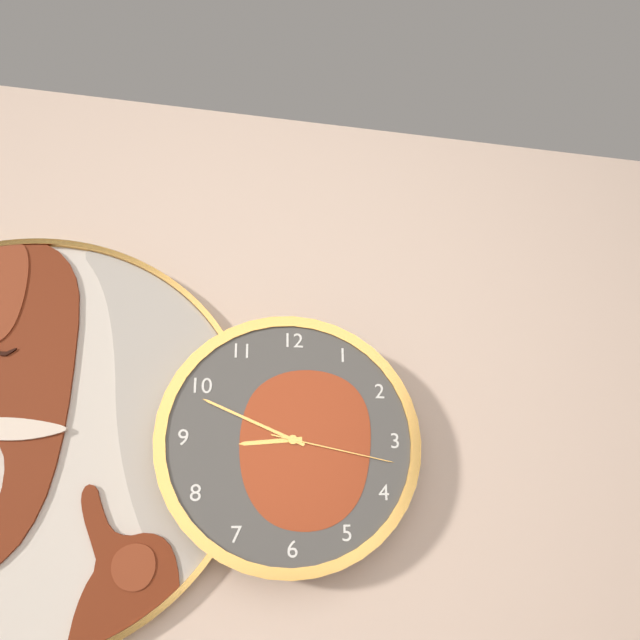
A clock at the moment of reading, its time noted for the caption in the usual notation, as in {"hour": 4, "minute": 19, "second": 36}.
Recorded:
{"hour": 8, "minute": 49, "second": 17}
